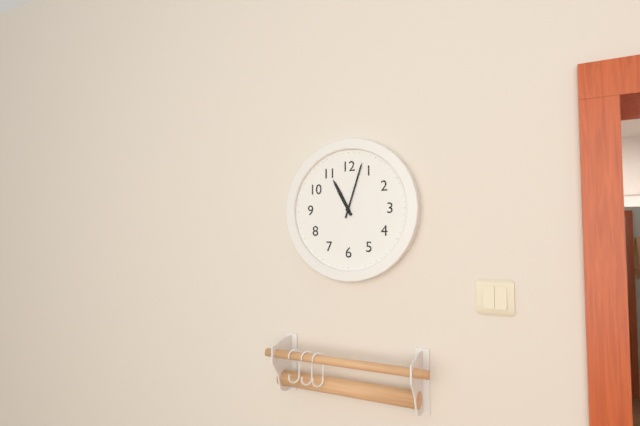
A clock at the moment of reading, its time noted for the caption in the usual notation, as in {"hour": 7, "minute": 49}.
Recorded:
{"hour": 11, "minute": 3}
